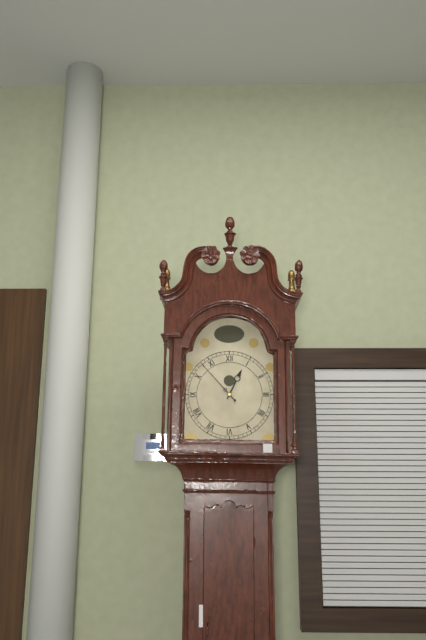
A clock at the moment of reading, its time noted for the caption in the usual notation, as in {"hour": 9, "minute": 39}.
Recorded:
{"hour": 12, "minute": 53}
